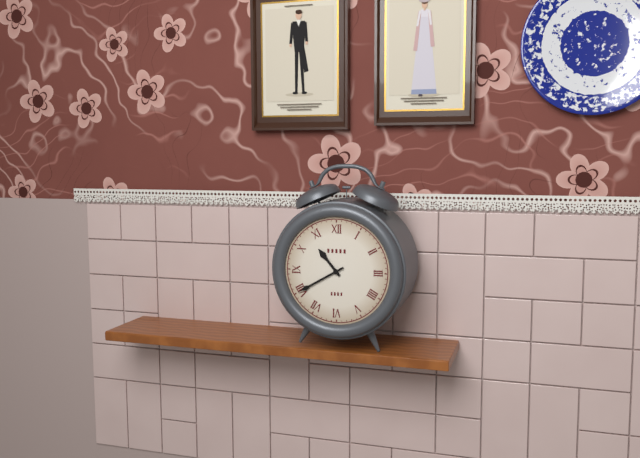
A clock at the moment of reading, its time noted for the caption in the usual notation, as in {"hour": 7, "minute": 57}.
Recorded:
{"hour": 10, "minute": 40}
